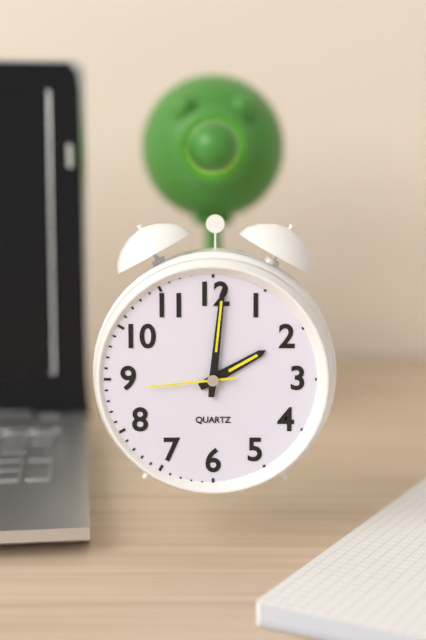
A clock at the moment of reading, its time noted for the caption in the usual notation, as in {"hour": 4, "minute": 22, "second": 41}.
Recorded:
{"hour": 2, "minute": 1, "second": 44}
